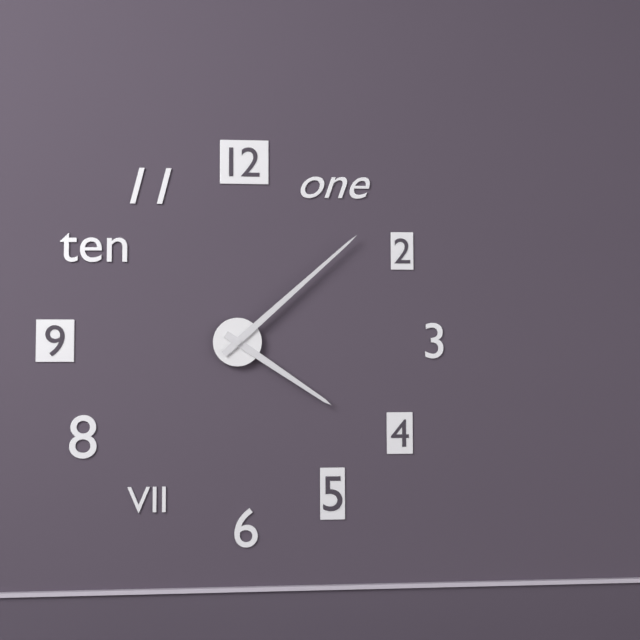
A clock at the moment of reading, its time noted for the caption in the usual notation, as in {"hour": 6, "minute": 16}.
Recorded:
{"hour": 4, "minute": 8}
